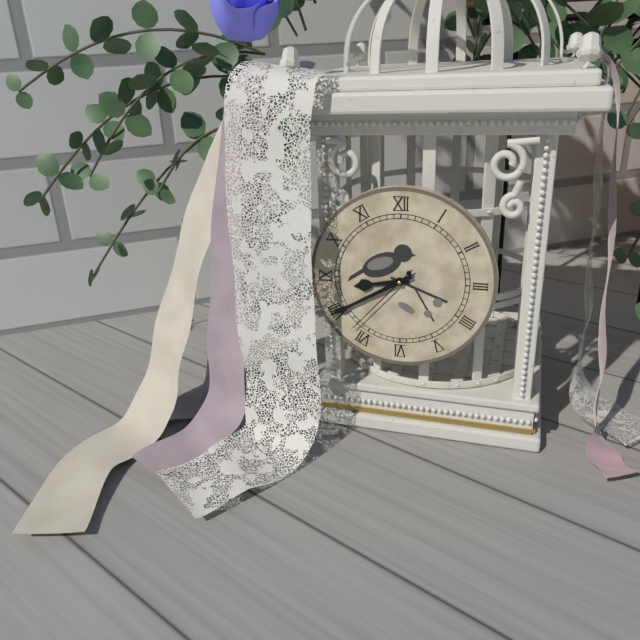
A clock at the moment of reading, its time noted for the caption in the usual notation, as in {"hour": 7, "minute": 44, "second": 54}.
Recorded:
{"hour": 8, "minute": 40, "second": 37}
